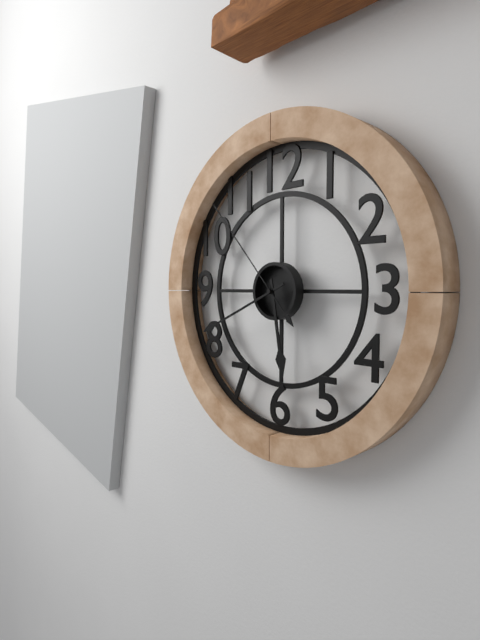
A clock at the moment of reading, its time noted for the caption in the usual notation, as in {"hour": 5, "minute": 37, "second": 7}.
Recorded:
{"hour": 5, "minute": 41, "second": 53}
